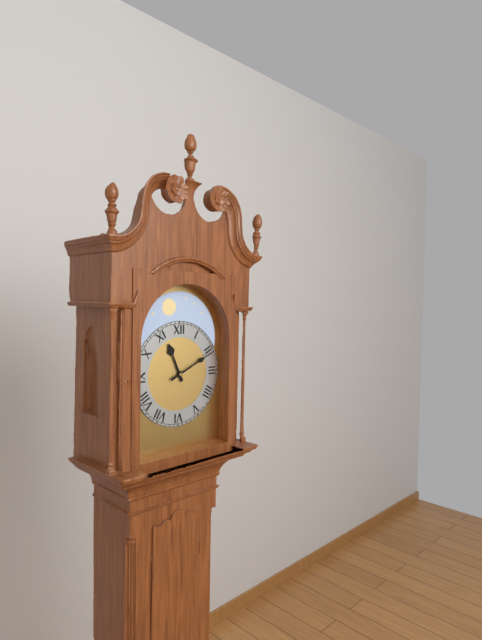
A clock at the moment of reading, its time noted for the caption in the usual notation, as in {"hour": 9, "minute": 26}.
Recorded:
{"hour": 11, "minute": 11}
